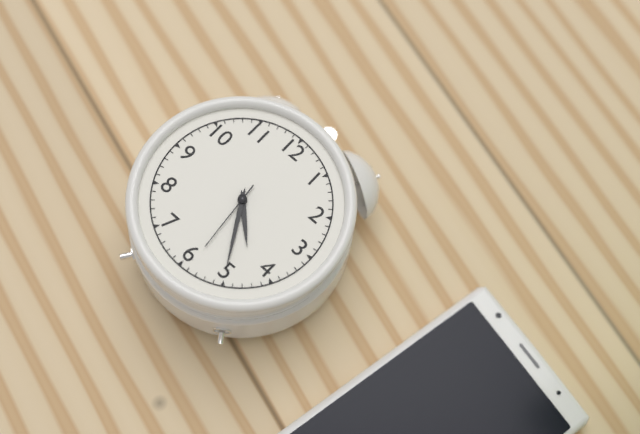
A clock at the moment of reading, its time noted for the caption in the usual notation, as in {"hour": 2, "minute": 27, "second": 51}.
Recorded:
{"hour": 4, "minute": 25, "second": 29}
